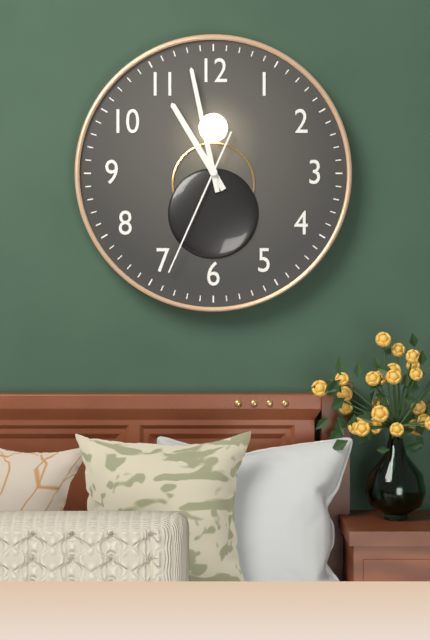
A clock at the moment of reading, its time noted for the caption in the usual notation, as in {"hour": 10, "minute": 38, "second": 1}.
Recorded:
{"hour": 10, "minute": 58, "second": 34}
